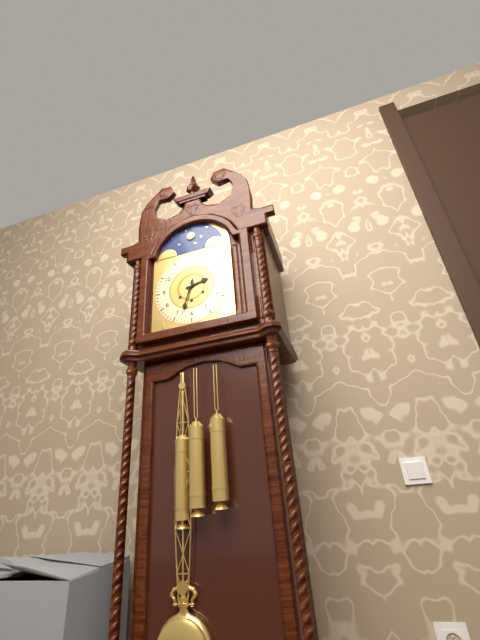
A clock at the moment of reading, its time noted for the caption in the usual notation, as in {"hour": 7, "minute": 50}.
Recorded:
{"hour": 2, "minute": 33}
